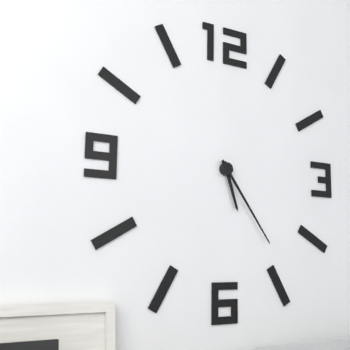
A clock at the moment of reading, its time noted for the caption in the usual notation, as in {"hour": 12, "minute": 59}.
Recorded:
{"hour": 5, "minute": 24}
